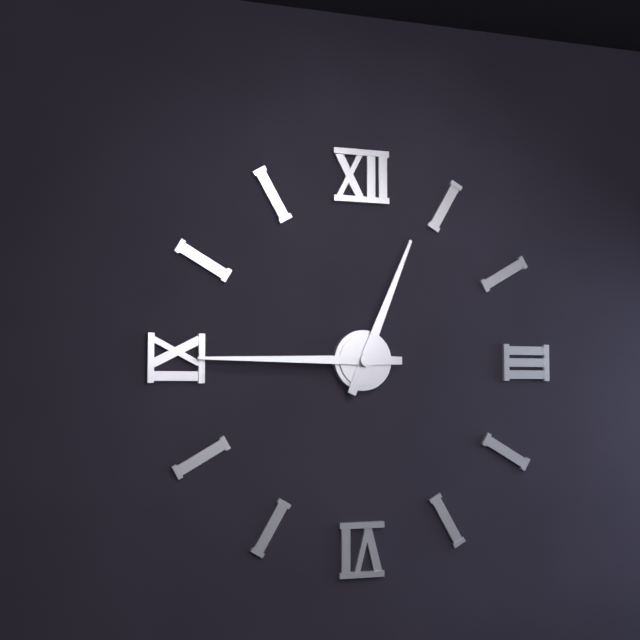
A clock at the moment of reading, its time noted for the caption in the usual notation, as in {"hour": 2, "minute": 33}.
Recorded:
{"hour": 12, "minute": 45}
